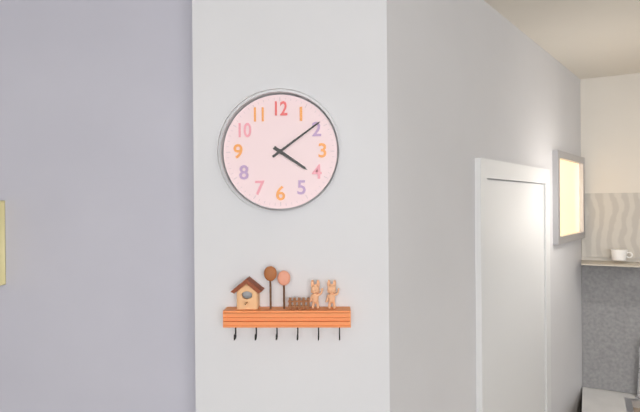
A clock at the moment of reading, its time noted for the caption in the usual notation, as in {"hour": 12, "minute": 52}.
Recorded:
{"hour": 4, "minute": 9}
